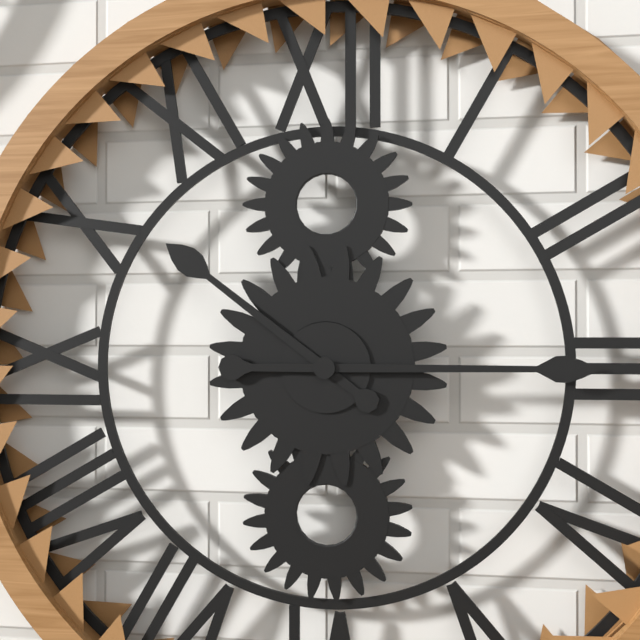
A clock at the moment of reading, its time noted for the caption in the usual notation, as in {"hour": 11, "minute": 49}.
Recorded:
{"hour": 10, "minute": 15}
